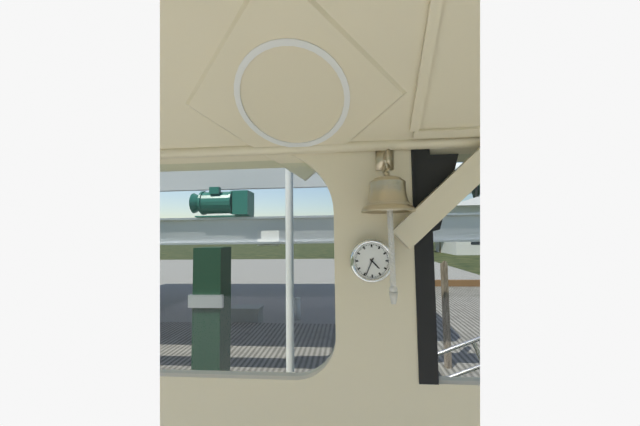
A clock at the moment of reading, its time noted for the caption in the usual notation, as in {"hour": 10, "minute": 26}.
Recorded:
{"hour": 4, "minute": 34}
